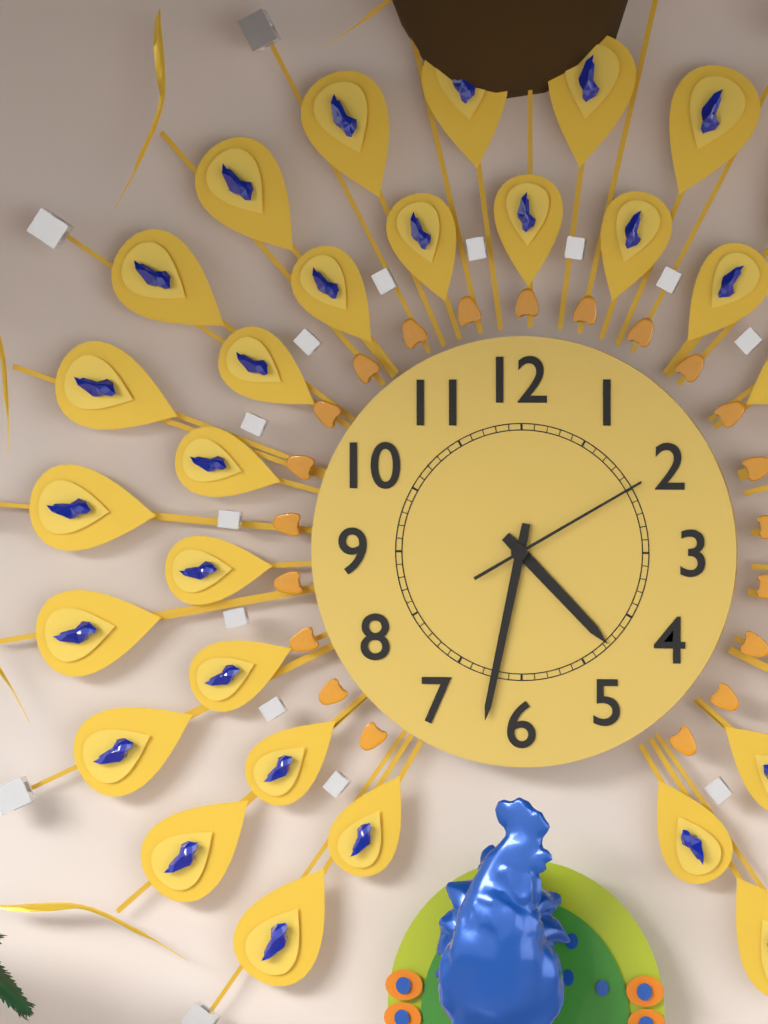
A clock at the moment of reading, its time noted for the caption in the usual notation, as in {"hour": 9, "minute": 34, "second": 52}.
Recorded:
{"hour": 4, "minute": 32, "second": 10}
